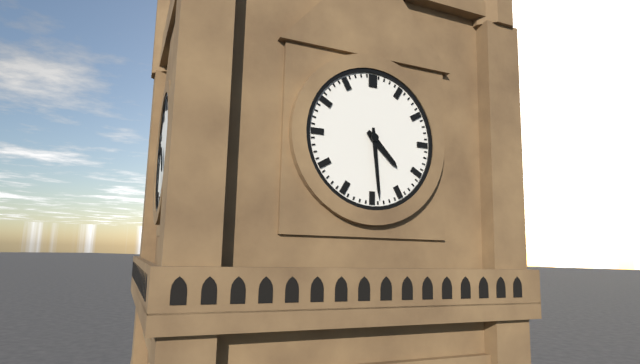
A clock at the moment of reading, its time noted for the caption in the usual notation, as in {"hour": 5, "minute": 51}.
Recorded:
{"hour": 4, "minute": 29}
